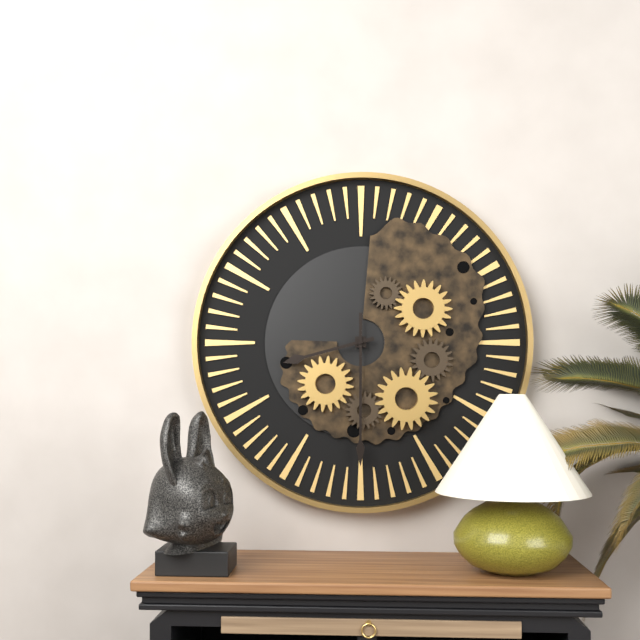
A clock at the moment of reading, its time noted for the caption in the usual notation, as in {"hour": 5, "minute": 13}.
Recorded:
{"hour": 8, "minute": 30}
